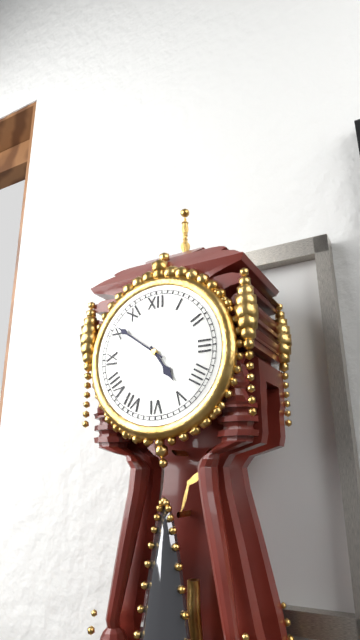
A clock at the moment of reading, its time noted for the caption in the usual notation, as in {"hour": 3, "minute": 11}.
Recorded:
{"hour": 4, "minute": 51}
